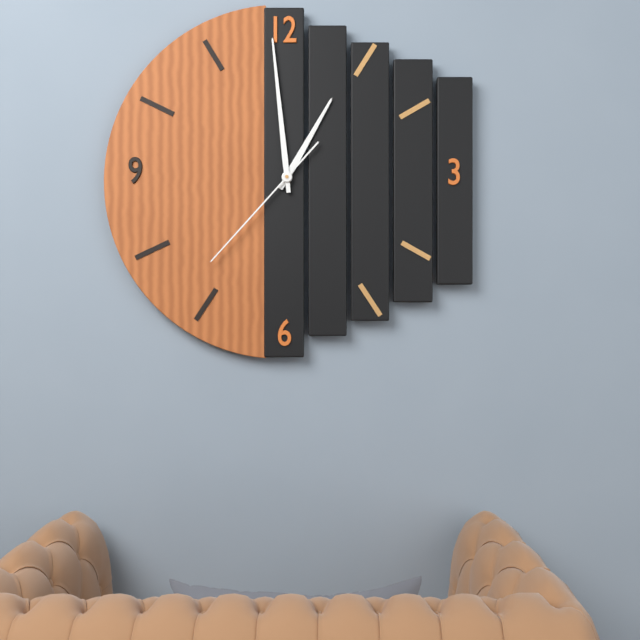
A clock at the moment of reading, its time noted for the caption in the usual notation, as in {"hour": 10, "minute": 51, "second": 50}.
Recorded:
{"hour": 12, "minute": 59, "second": 37}
